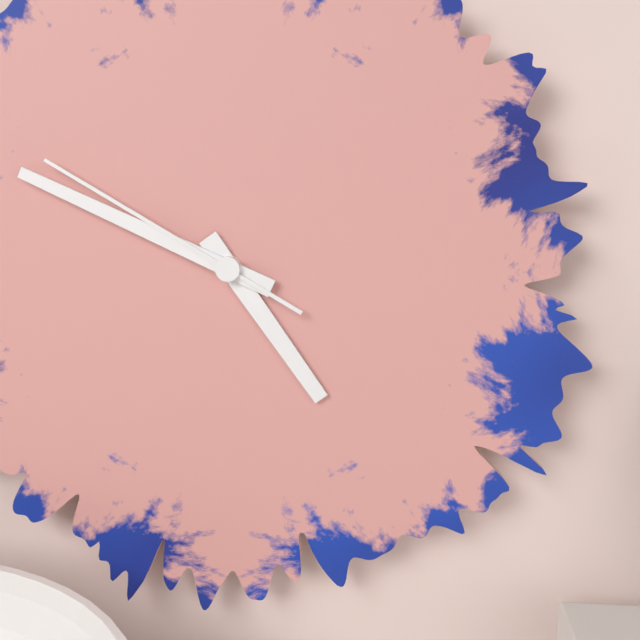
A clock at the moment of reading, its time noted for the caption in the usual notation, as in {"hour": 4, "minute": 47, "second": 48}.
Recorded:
{"hour": 4, "minute": 49, "second": 50}
